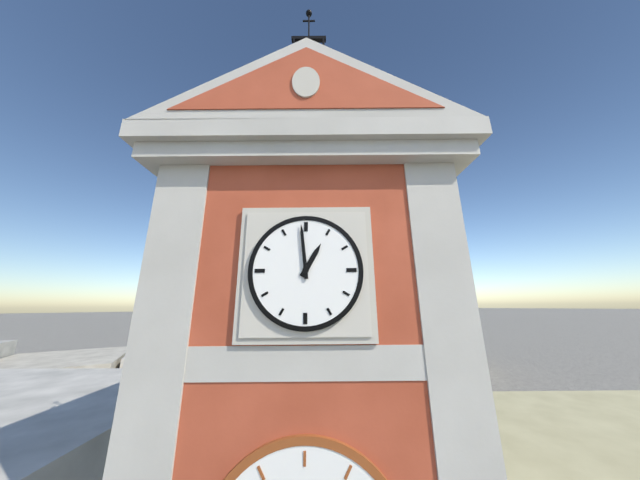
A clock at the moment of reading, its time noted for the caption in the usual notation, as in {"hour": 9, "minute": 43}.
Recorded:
{"hour": 12, "minute": 59}
